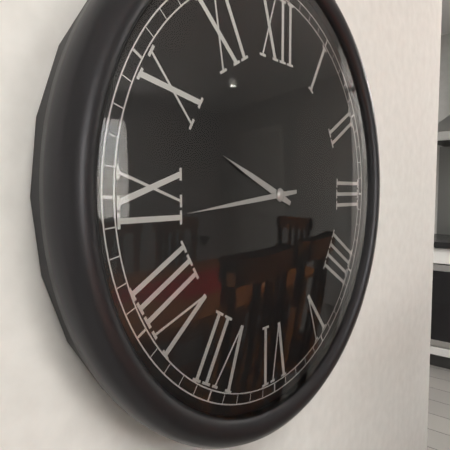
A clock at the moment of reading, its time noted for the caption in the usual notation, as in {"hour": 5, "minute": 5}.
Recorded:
{"hour": 9, "minute": 44}
